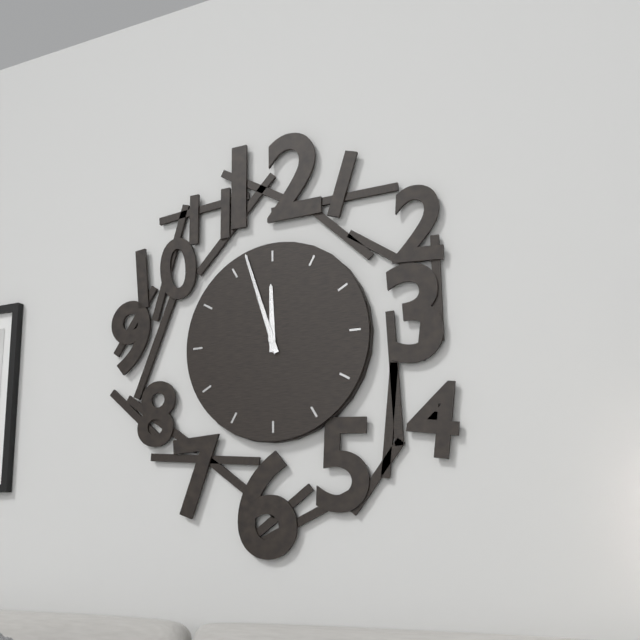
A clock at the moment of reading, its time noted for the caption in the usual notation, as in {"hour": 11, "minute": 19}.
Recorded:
{"hour": 11, "minute": 57}
